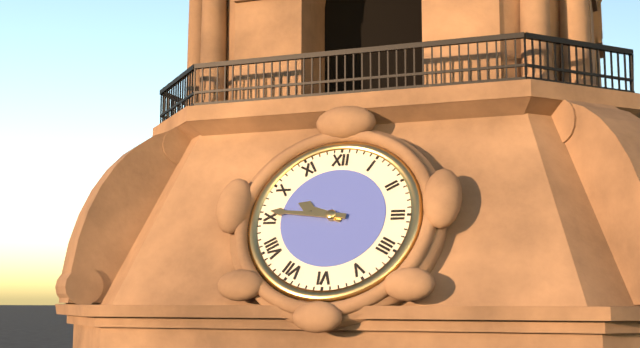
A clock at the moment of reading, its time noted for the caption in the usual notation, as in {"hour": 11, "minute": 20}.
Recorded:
{"hour": 9, "minute": 46}
